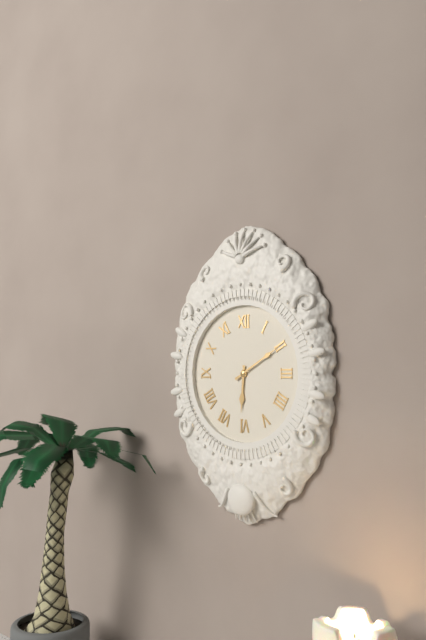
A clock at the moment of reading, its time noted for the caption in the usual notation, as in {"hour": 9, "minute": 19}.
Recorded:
{"hour": 6, "minute": 10}
